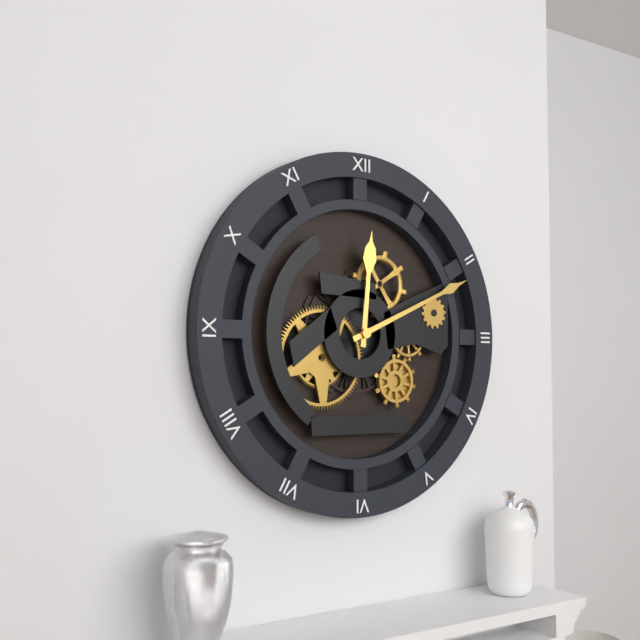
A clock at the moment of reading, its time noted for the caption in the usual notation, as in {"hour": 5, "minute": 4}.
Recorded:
{"hour": 12, "minute": 11}
